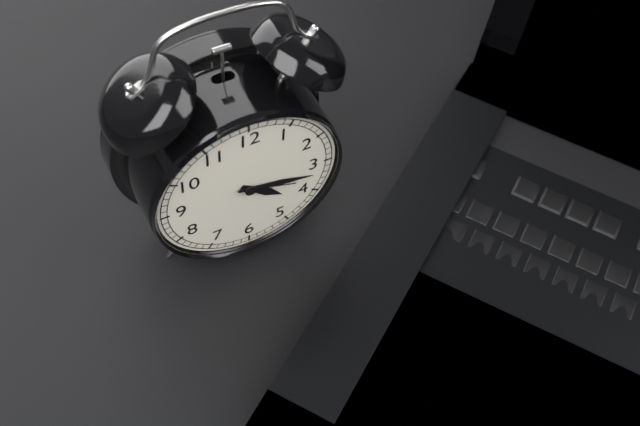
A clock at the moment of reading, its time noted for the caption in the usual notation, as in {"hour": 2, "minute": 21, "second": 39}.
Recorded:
{"hour": 4, "minute": 17, "second": 18}
